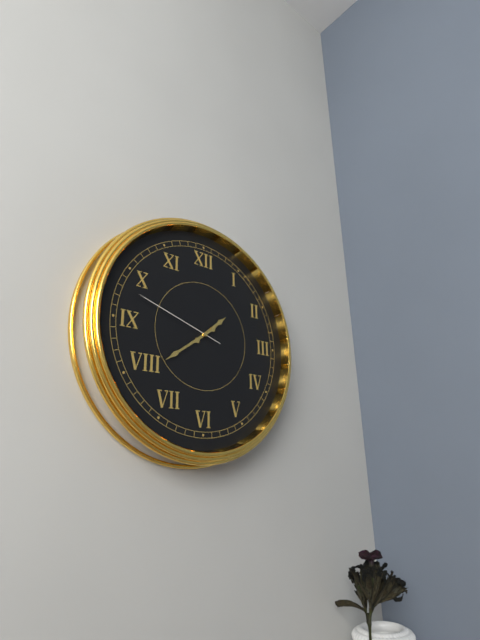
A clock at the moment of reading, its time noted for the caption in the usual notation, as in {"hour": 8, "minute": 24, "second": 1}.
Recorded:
{"hour": 1, "minute": 39, "second": 48}
